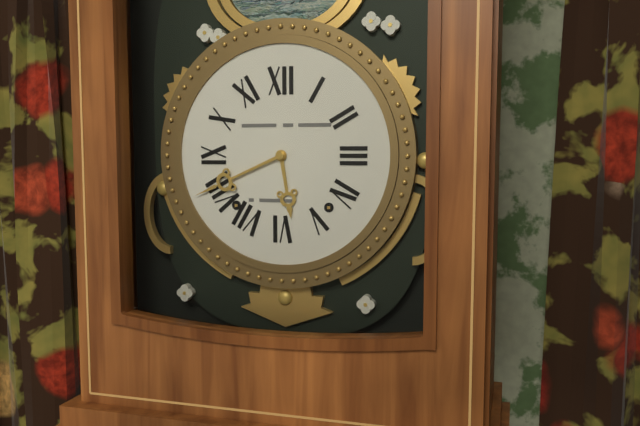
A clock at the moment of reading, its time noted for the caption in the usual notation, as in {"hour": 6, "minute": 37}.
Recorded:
{"hour": 5, "minute": 41}
